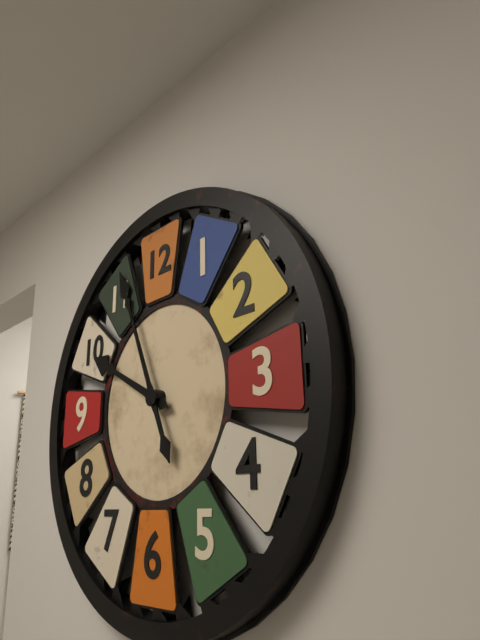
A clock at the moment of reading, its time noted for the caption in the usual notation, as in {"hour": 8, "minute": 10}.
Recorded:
{"hour": 9, "minute": 56}
